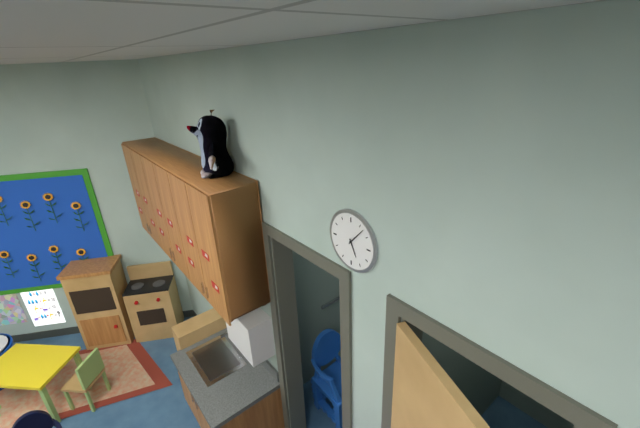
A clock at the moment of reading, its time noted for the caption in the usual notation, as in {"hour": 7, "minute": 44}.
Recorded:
{"hour": 5, "minute": 7}
